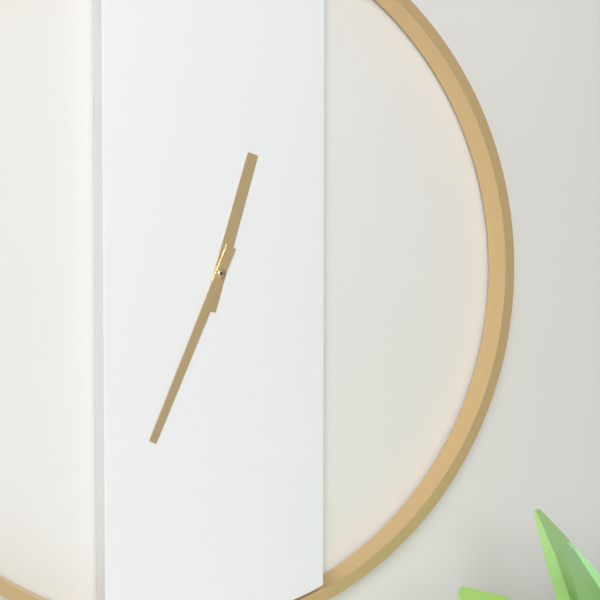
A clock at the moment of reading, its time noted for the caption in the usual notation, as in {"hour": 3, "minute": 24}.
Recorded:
{"hour": 12, "minute": 34}
